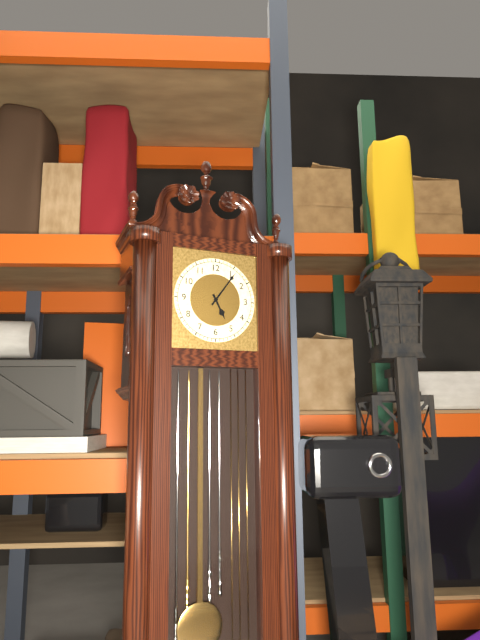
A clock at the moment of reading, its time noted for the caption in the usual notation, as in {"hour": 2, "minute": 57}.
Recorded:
{"hour": 5, "minute": 6}
